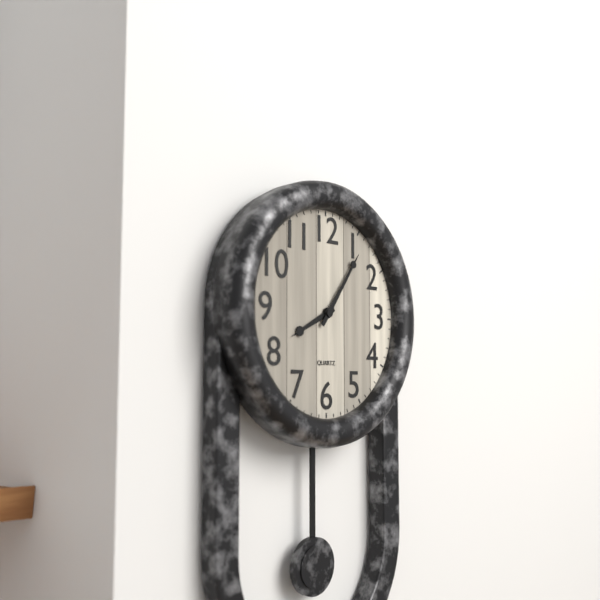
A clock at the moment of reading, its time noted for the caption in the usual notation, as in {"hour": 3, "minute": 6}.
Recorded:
{"hour": 8, "minute": 6}
